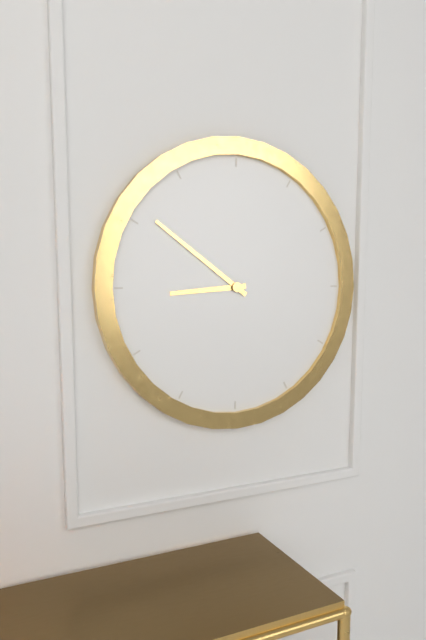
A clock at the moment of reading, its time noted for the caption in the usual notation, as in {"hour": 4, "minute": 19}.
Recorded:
{"hour": 8, "minute": 51}
